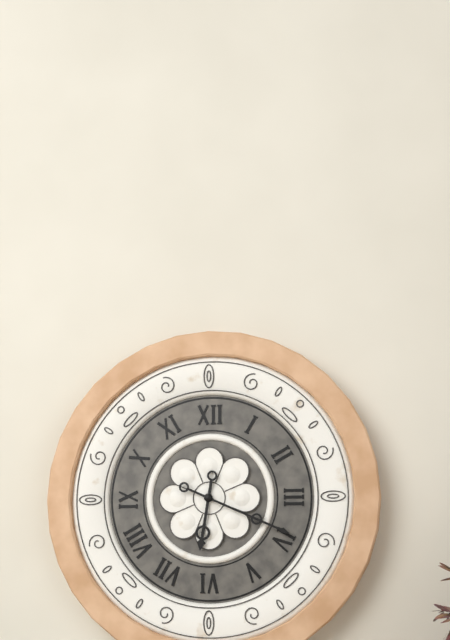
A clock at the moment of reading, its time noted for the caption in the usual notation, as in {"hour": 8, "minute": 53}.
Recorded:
{"hour": 6, "minute": 19}
